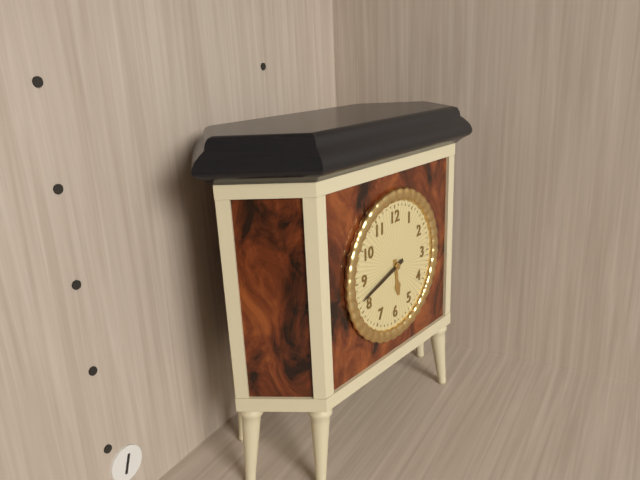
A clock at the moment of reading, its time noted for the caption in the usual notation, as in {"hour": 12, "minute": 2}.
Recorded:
{"hour": 5, "minute": 42}
